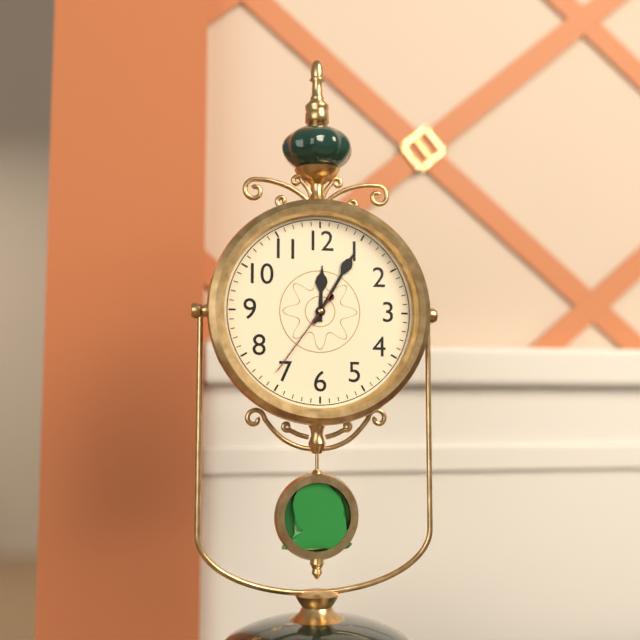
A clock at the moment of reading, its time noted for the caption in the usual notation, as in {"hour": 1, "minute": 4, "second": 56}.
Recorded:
{"hour": 12, "minute": 5, "second": 36}
